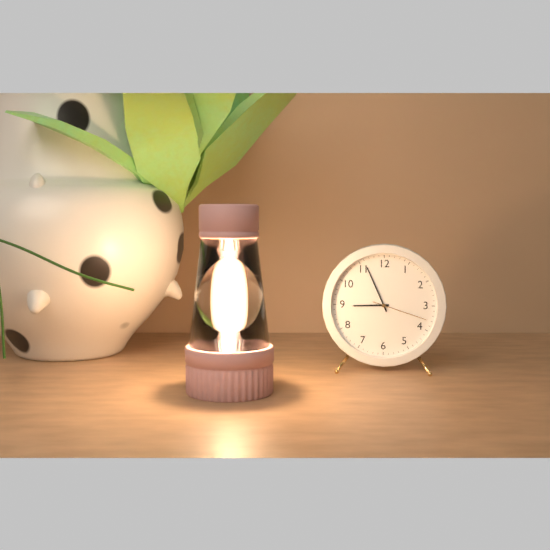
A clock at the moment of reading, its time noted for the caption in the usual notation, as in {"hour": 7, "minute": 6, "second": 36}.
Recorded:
{"hour": 8, "minute": 56, "second": 18}
